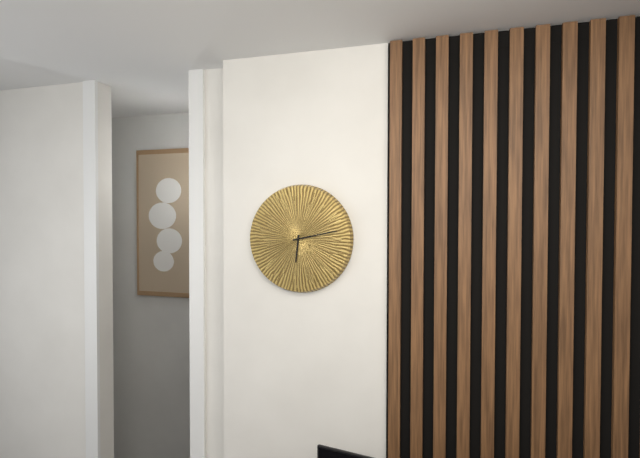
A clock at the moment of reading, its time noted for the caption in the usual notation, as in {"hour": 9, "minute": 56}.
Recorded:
{"hour": 6, "minute": 13}
